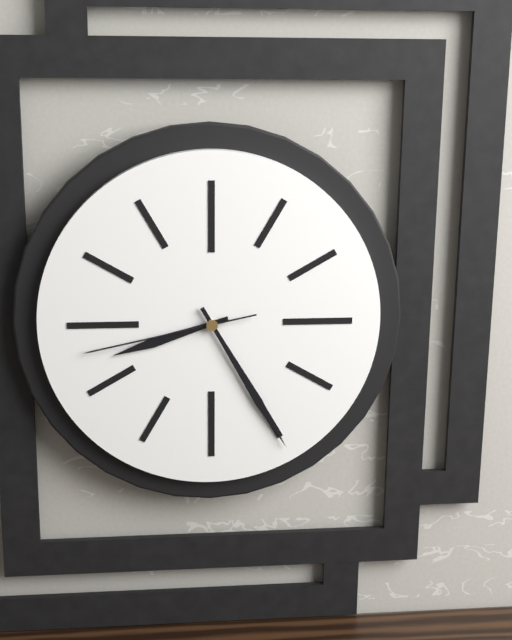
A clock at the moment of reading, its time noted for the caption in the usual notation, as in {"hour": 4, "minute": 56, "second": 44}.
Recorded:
{"hour": 8, "minute": 25, "second": 43}
